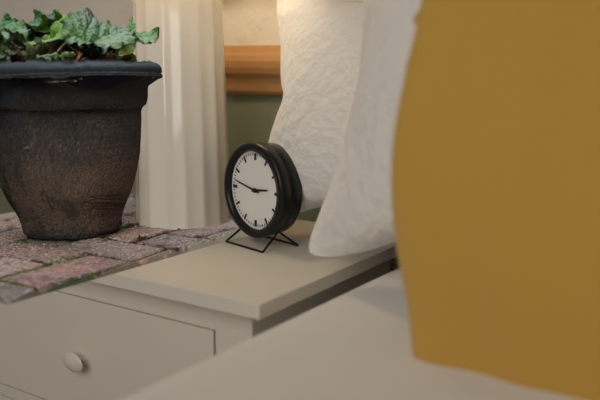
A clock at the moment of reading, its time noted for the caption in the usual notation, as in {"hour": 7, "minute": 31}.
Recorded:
{"hour": 2, "minute": 47}
